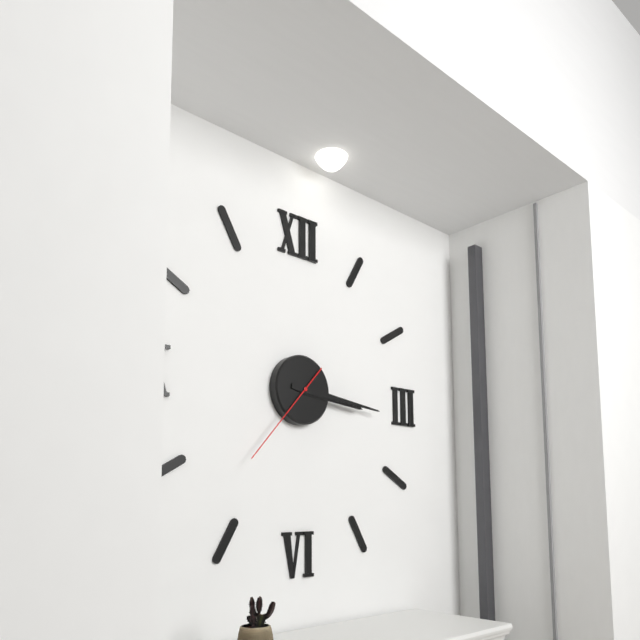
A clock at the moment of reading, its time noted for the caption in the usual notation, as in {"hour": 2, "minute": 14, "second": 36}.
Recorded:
{"hour": 3, "minute": 16, "second": 37}
